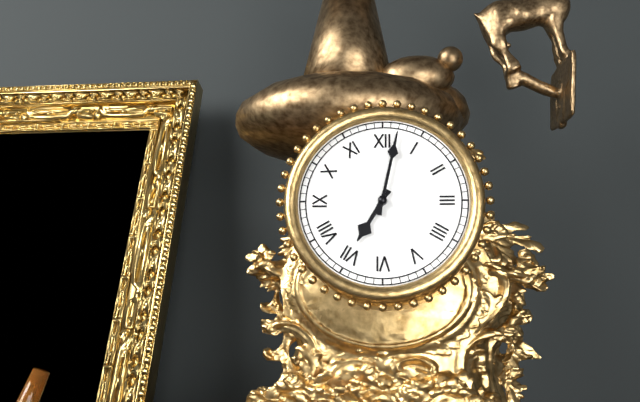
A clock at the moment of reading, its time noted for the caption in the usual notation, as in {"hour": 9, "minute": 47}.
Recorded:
{"hour": 7, "minute": 2}
